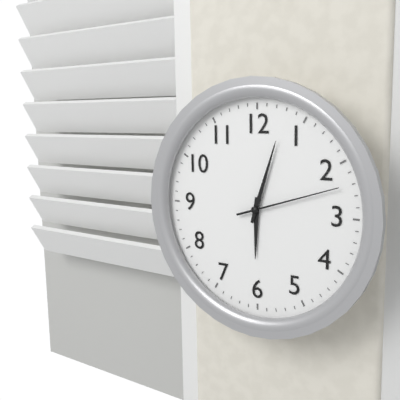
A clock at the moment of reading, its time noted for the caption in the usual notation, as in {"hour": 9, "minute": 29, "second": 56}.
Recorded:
{"hour": 6, "minute": 3, "second": 12}
